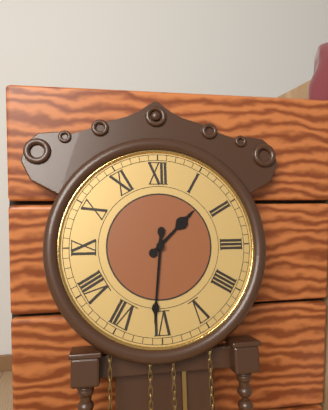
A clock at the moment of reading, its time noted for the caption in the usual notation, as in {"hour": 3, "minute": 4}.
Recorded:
{"hour": 1, "minute": 31}
